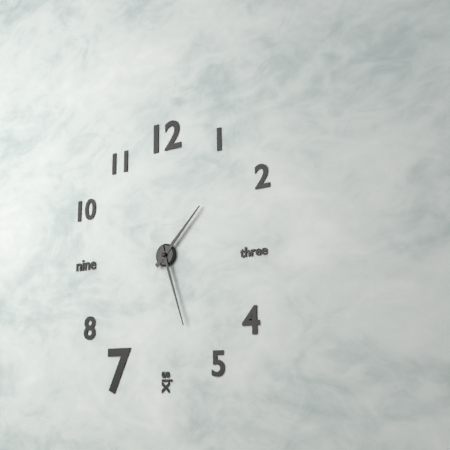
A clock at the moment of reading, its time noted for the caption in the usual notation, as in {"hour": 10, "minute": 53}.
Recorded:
{"hour": 1, "minute": 27}
